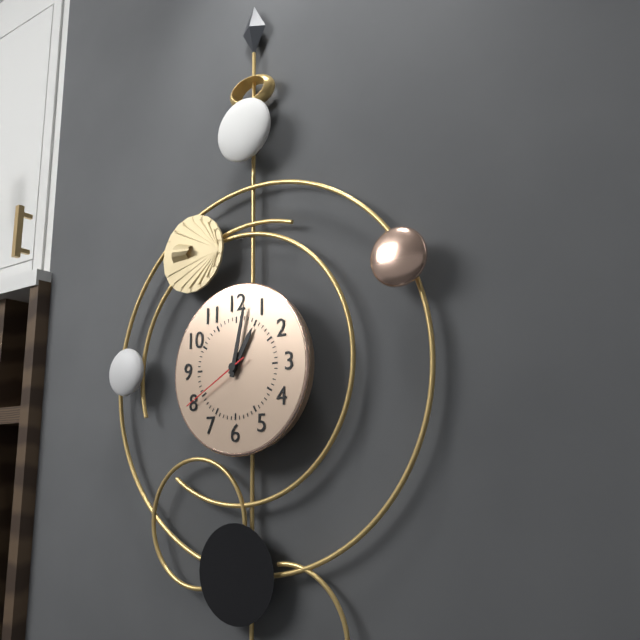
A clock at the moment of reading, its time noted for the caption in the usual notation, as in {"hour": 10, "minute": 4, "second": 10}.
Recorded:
{"hour": 1, "minute": 2, "second": 40}
